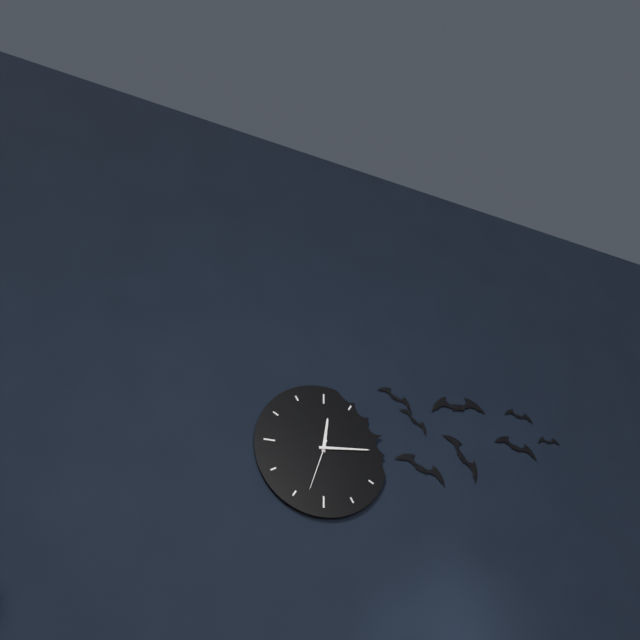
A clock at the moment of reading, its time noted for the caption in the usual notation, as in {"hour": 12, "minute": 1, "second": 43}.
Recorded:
{"hour": 12, "minute": 14, "second": 33}
